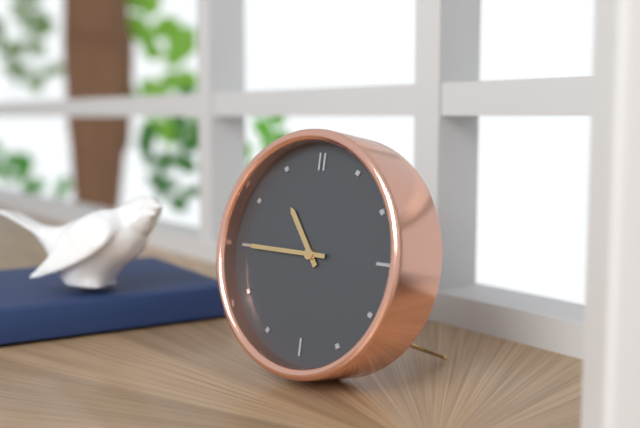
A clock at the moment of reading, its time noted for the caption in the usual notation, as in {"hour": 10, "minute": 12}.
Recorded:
{"hour": 10, "minute": 45}
